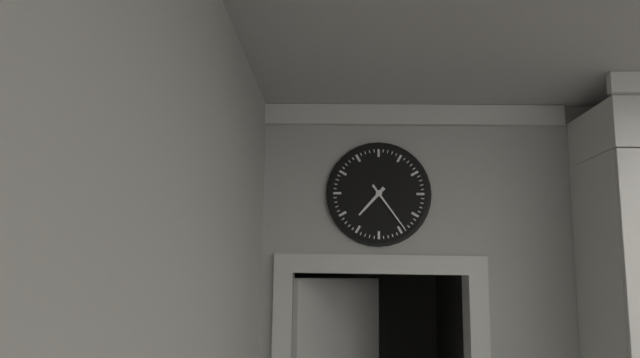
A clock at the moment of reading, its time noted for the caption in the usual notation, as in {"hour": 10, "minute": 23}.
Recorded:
{"hour": 7, "minute": 24}
